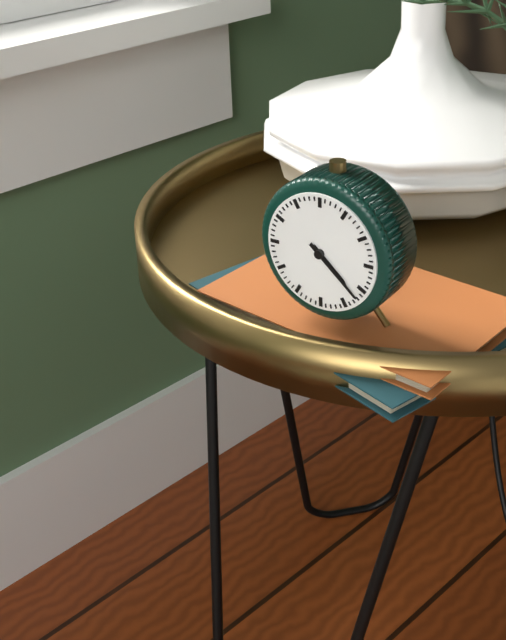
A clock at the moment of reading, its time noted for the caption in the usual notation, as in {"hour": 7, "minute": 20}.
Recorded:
{"hour": 4, "minute": 22}
